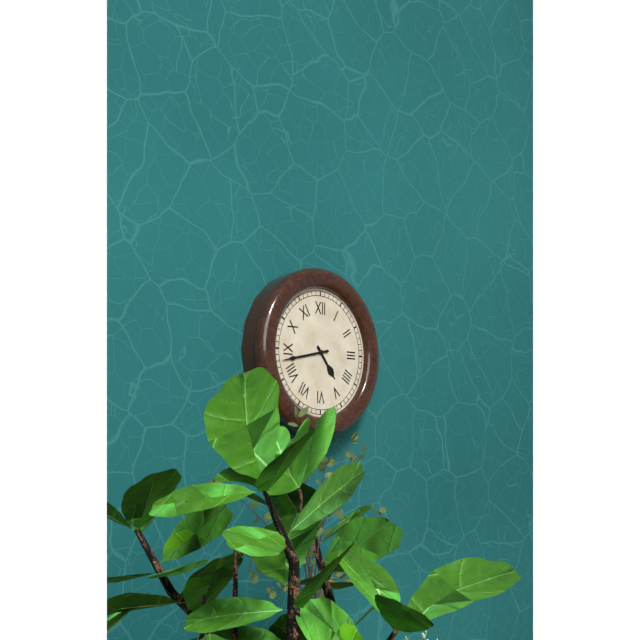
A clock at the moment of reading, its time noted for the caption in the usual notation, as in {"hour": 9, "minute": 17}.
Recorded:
{"hour": 4, "minute": 43}
